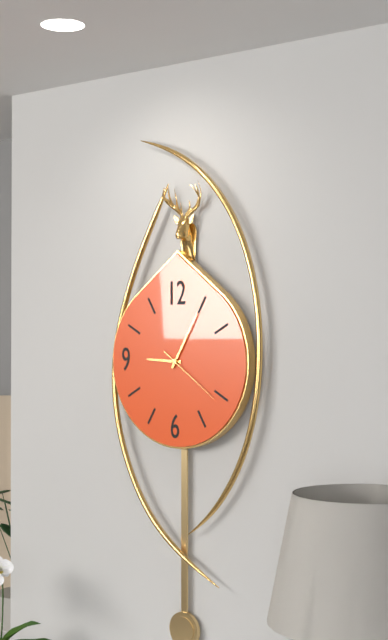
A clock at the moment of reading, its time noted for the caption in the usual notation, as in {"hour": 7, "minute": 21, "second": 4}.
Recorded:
{"hour": 9, "minute": 5, "second": 21}
